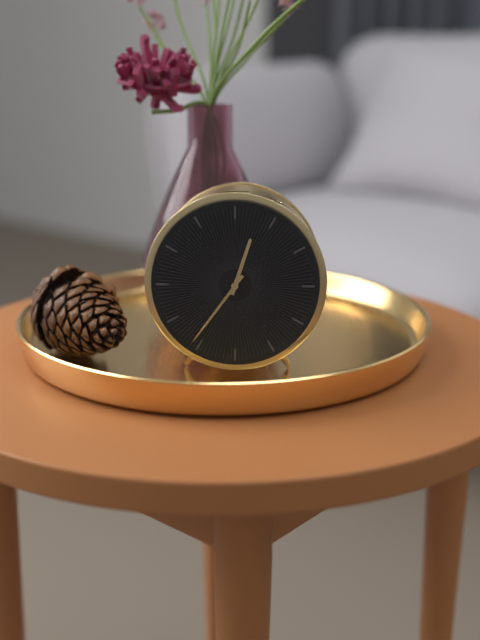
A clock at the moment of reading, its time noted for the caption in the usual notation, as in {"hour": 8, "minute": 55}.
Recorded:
{"hour": 12, "minute": 36}
